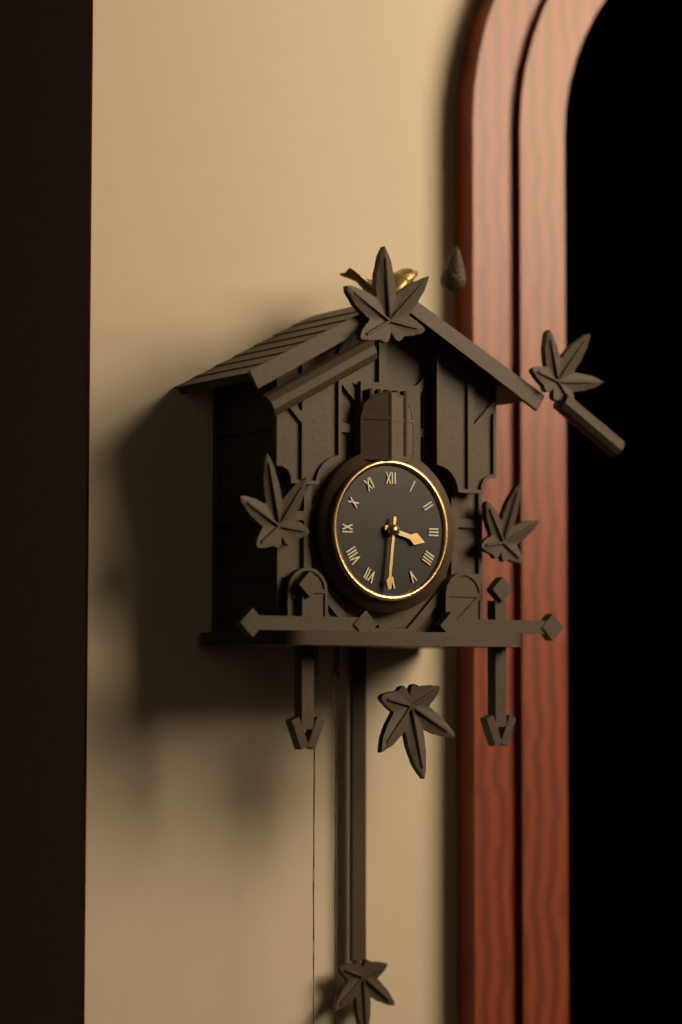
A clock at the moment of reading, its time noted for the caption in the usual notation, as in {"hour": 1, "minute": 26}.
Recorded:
{"hour": 3, "minute": 31}
